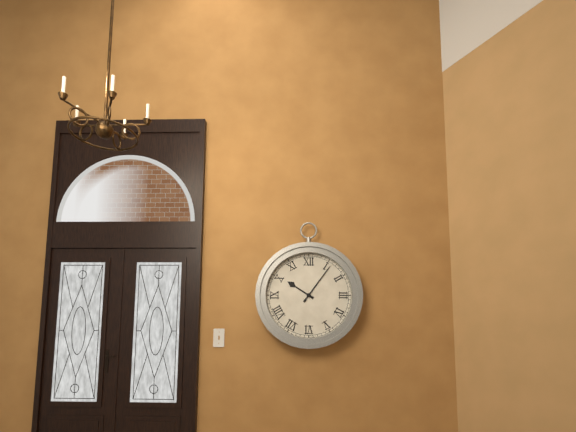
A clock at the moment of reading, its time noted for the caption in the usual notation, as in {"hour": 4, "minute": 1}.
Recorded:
{"hour": 10, "minute": 6}
